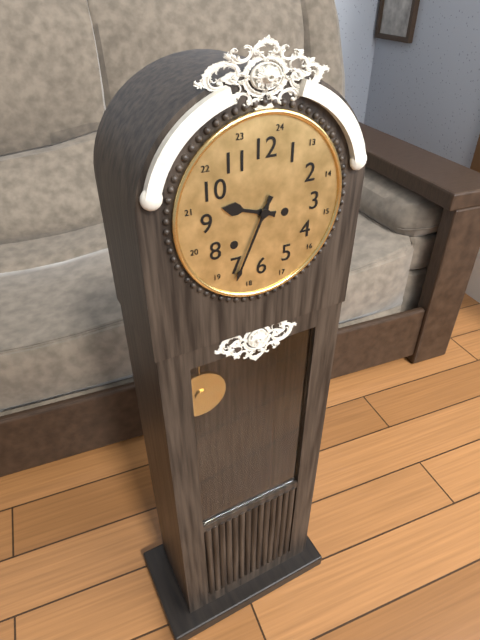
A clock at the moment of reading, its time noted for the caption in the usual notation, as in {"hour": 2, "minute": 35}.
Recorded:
{"hour": 9, "minute": 34}
